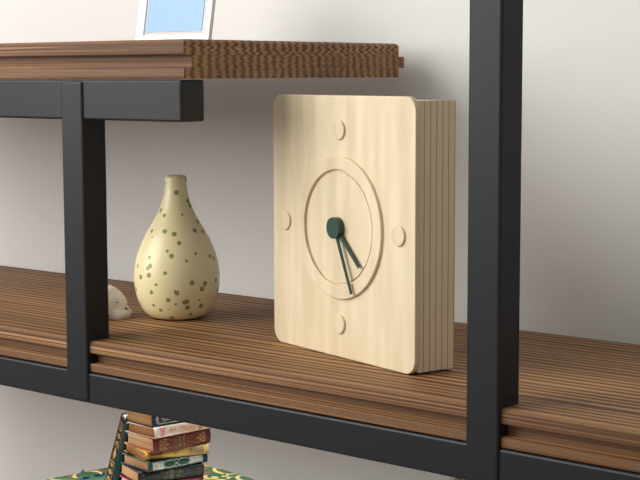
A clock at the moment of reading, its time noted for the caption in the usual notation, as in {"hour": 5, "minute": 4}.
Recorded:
{"hour": 4, "minute": 26}
